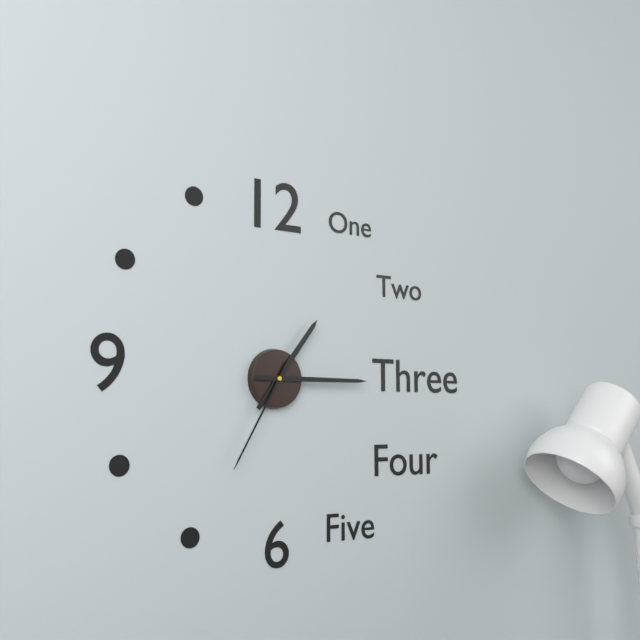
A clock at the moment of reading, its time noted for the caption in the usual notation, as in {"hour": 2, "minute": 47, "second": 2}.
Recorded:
{"hour": 1, "minute": 15, "second": 35}
